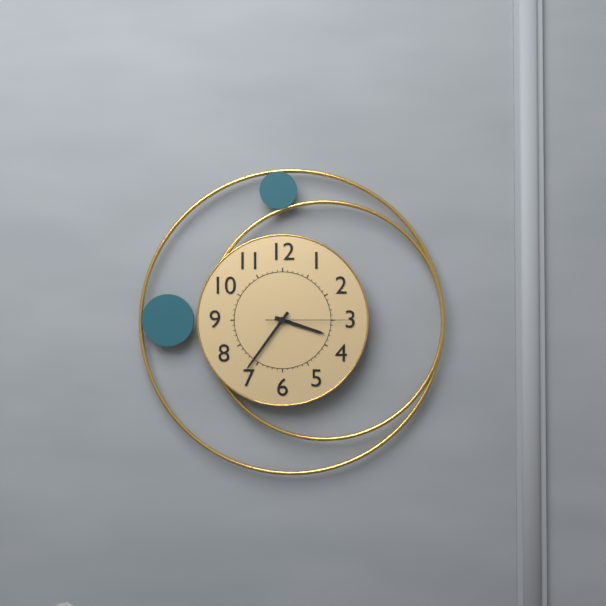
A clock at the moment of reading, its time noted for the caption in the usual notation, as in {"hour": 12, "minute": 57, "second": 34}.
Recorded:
{"hour": 3, "minute": 36, "second": 15}
